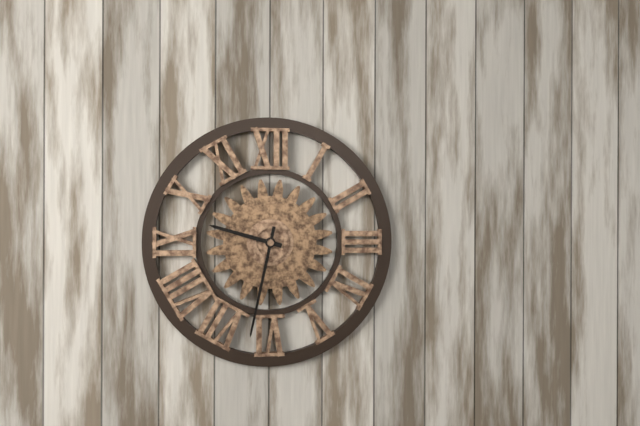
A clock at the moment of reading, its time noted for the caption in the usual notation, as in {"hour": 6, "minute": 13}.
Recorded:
{"hour": 9, "minute": 32}
